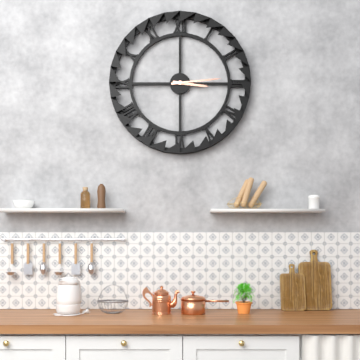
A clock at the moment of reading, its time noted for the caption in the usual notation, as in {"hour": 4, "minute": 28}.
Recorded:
{"hour": 3, "minute": 14}
